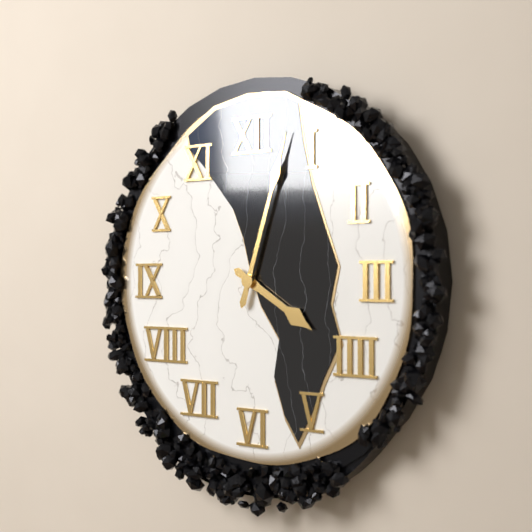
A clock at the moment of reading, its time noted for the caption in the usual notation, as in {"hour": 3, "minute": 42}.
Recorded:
{"hour": 4, "minute": 3}
